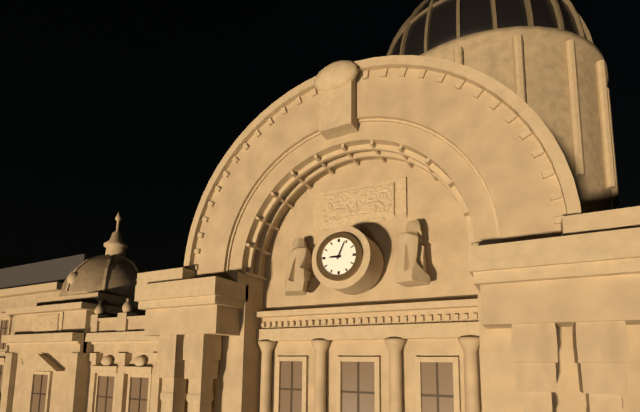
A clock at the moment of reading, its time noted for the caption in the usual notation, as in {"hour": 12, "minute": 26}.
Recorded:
{"hour": 9, "minute": 4}
